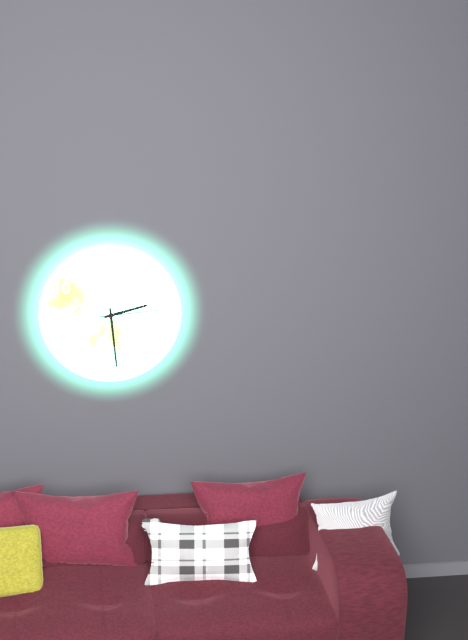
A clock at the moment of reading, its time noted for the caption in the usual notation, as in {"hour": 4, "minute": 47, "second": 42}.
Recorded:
{"hour": 2, "minute": 29, "second": 14}
